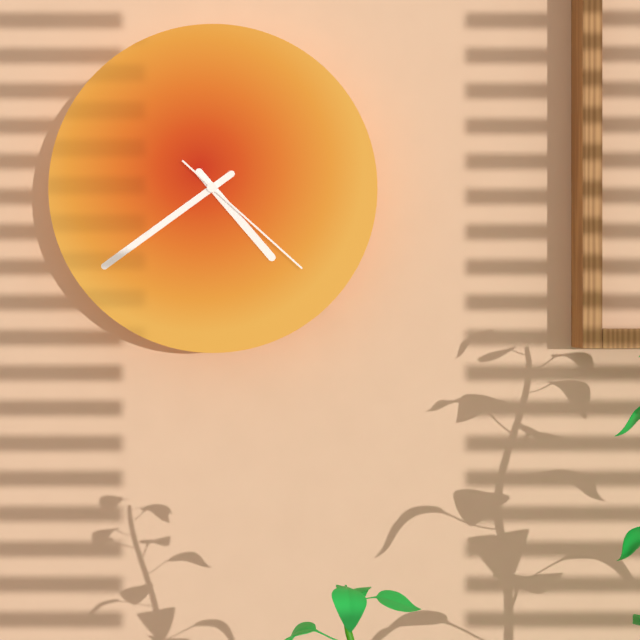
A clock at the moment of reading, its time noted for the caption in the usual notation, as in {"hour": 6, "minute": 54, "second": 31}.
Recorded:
{"hour": 4, "minute": 39, "second": 22}
